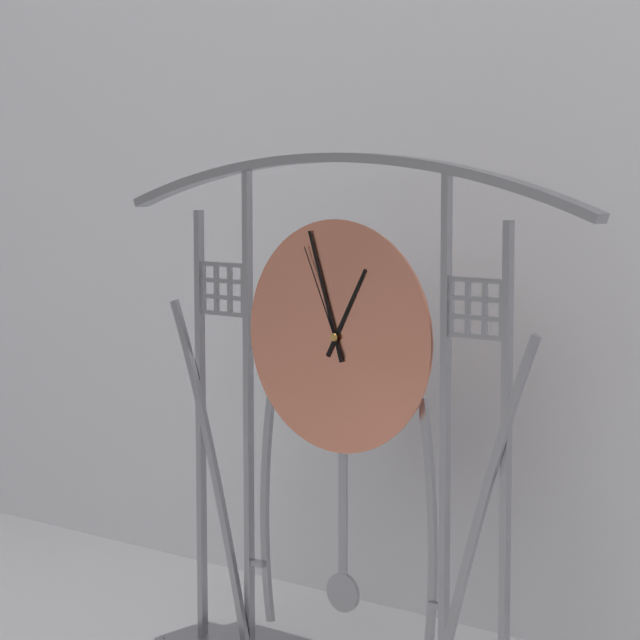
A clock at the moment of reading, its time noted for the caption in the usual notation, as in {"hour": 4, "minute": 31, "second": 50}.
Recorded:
{"hour": 12, "minute": 57, "second": 56}
